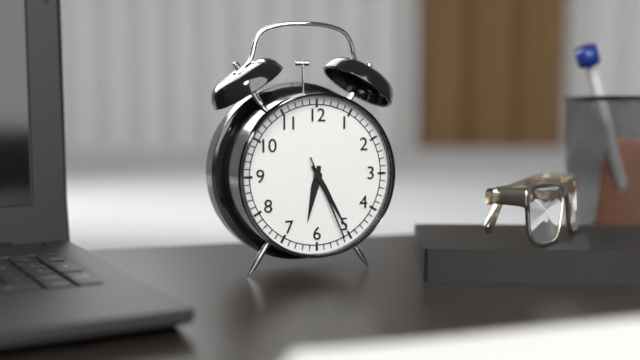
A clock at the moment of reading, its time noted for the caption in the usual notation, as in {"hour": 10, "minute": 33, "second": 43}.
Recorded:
{"hour": 6, "minute": 25, "second": 26}
